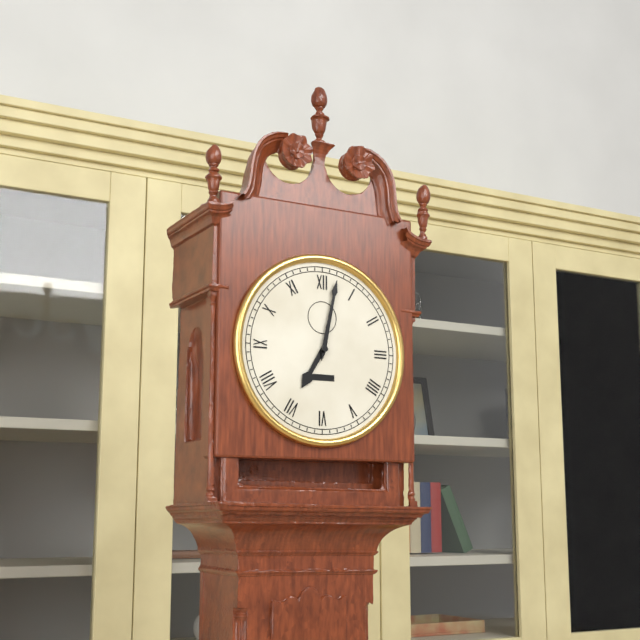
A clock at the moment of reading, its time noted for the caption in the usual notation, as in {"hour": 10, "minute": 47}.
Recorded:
{"hour": 7, "minute": 2}
